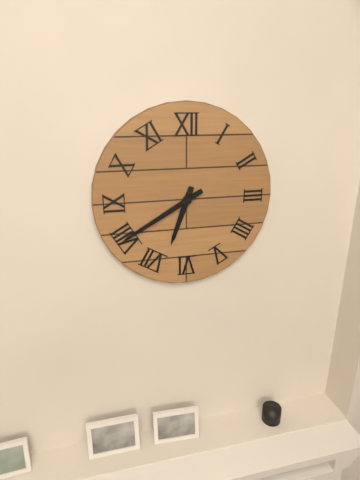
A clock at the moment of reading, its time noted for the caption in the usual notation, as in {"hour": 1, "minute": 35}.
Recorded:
{"hour": 6, "minute": 40}
